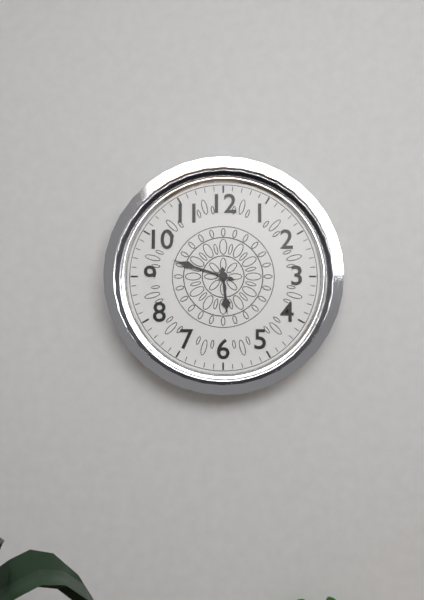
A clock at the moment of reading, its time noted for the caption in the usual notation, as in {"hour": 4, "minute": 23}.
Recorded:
{"hour": 5, "minute": 48}
